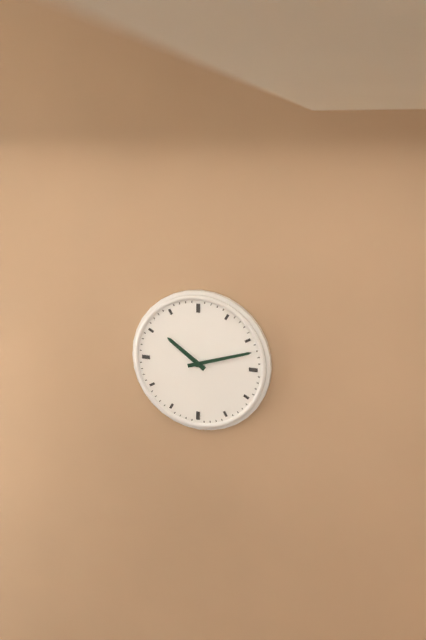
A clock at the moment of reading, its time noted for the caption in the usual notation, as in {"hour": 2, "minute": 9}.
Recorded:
{"hour": 10, "minute": 12}
